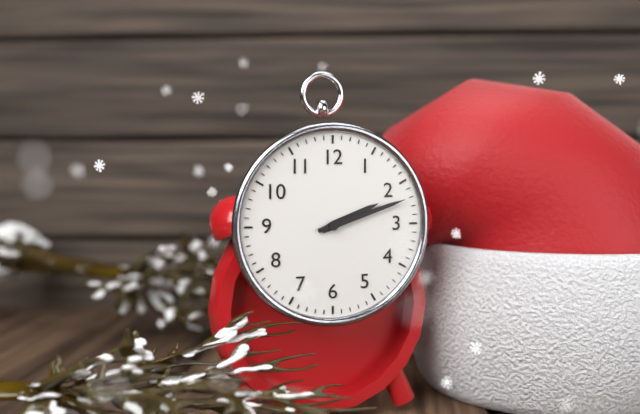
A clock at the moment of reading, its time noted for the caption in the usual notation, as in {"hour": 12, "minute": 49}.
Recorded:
{"hour": 2, "minute": 12}
